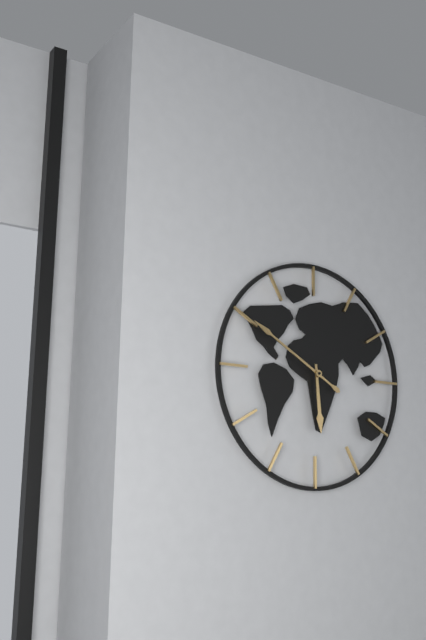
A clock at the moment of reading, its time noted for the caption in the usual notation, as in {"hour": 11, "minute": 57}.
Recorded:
{"hour": 5, "minute": 50}
